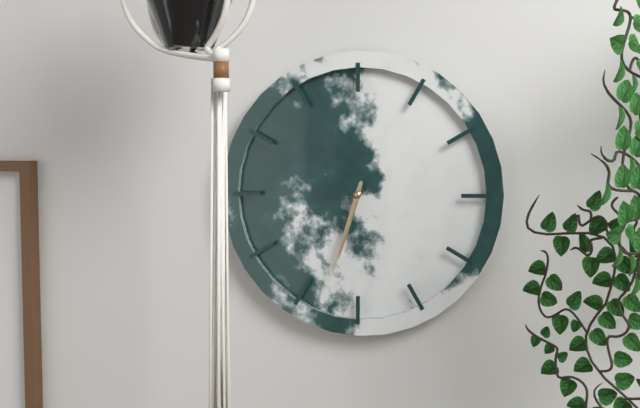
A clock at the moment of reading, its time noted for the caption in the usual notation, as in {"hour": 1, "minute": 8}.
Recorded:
{"hour": 6, "minute": 33}
